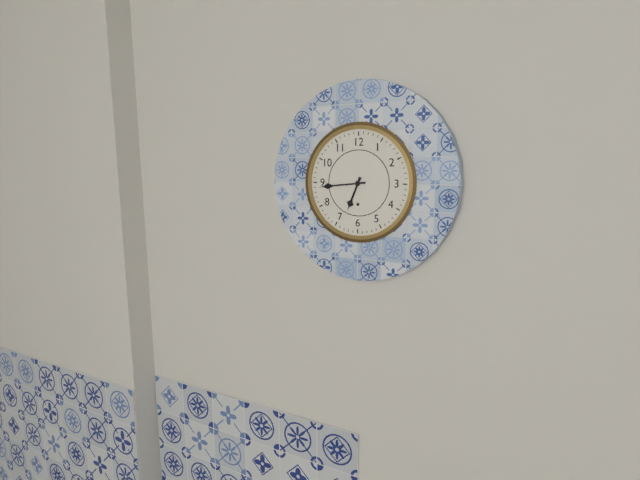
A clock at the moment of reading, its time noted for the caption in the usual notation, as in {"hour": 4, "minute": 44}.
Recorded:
{"hour": 6, "minute": 44}
